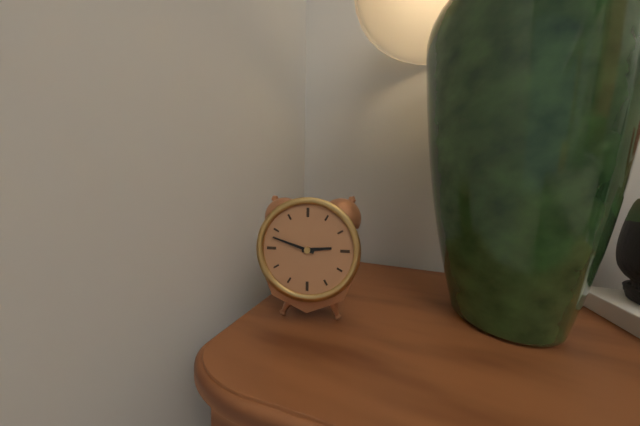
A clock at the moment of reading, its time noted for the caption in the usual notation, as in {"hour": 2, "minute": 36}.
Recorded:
{"hour": 2, "minute": 48}
